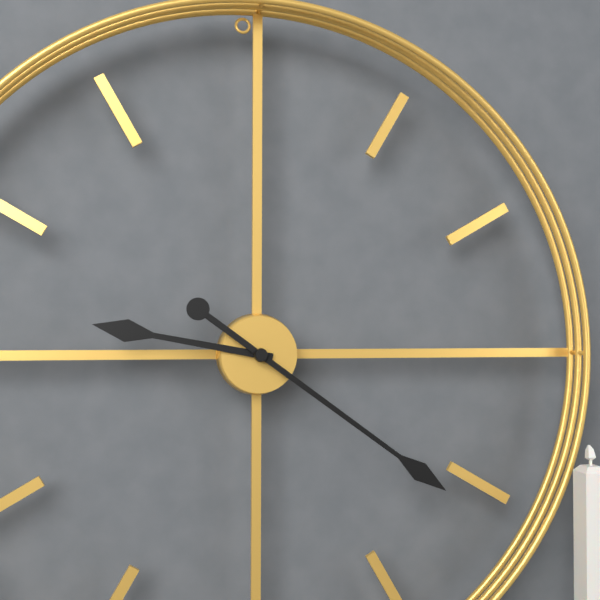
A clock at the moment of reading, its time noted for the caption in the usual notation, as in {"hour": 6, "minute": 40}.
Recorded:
{"hour": 9, "minute": 21}
